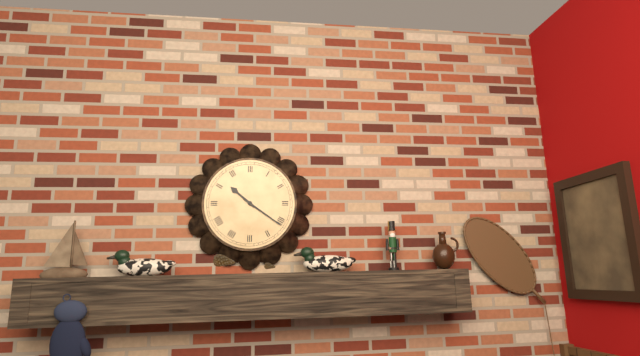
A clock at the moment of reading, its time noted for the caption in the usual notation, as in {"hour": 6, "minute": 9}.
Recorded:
{"hour": 10, "minute": 21}
